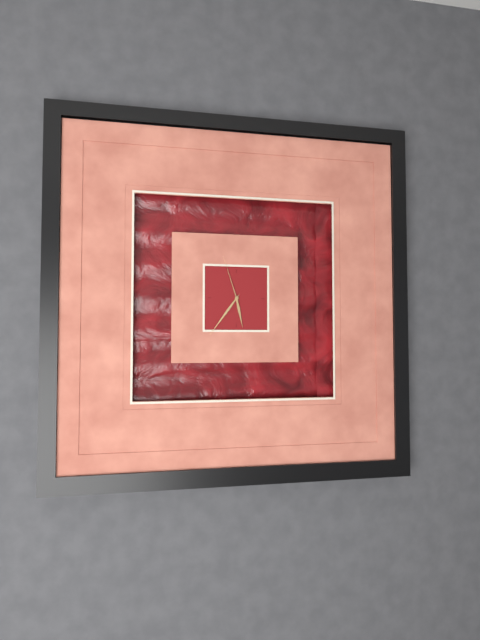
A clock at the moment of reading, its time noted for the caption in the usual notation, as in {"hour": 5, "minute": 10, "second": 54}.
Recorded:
{"hour": 5, "minute": 36, "second": 57}
